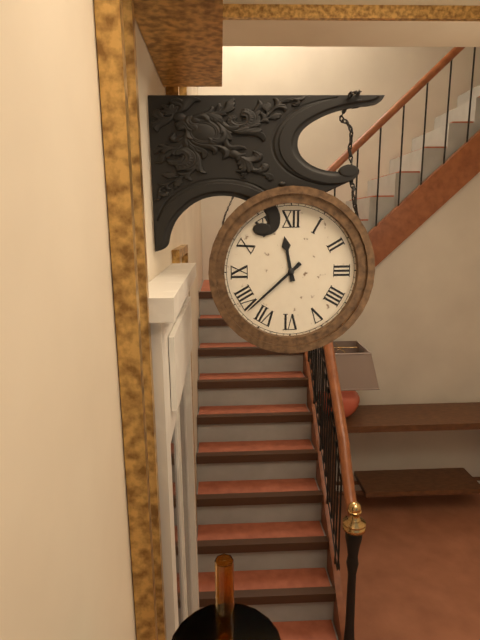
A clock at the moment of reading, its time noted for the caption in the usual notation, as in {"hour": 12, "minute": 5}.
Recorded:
{"hour": 11, "minute": 38}
